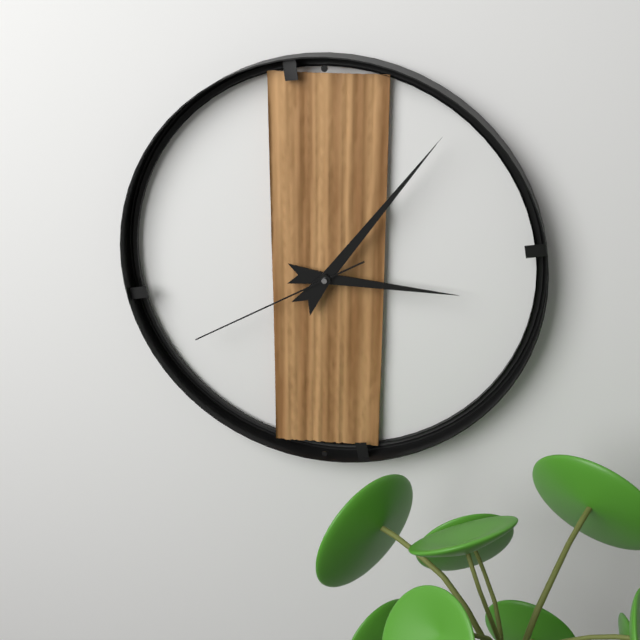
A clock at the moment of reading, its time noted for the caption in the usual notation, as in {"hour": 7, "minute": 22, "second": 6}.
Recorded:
{"hour": 3, "minute": 6, "second": 40}
